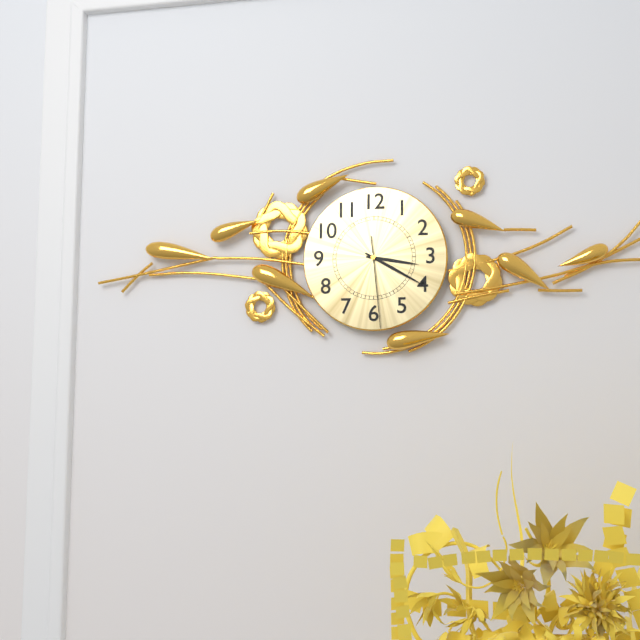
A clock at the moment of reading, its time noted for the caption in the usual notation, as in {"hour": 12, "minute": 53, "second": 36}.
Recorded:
{"hour": 3, "minute": 20, "second": 29}
